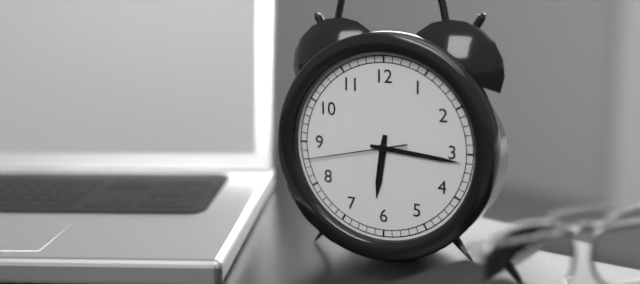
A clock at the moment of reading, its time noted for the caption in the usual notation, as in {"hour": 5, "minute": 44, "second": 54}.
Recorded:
{"hour": 6, "minute": 16, "second": 43}
